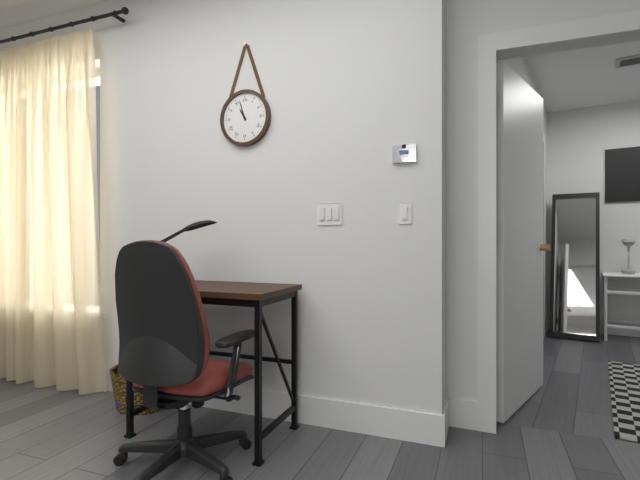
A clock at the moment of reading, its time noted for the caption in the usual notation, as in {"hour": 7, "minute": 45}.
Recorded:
{"hour": 10, "minute": 57}
